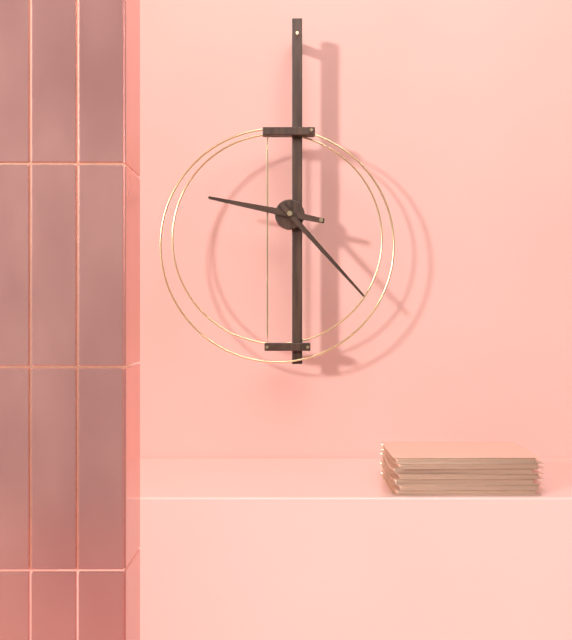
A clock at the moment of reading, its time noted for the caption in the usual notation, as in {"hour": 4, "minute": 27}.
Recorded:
{"hour": 9, "minute": 23}
